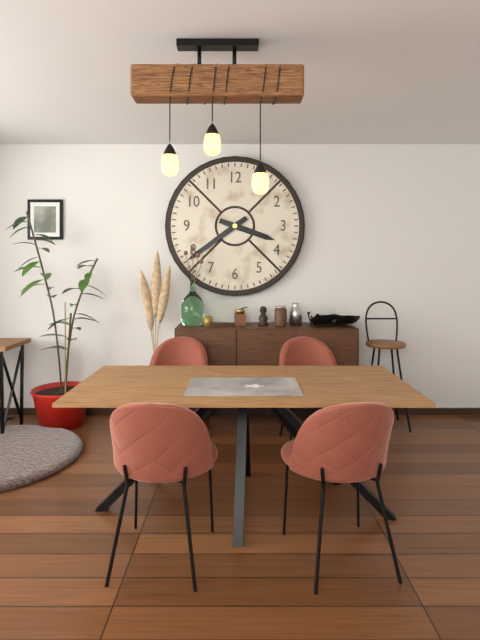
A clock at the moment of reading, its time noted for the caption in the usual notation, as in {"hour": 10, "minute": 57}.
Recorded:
{"hour": 3, "minute": 39}
